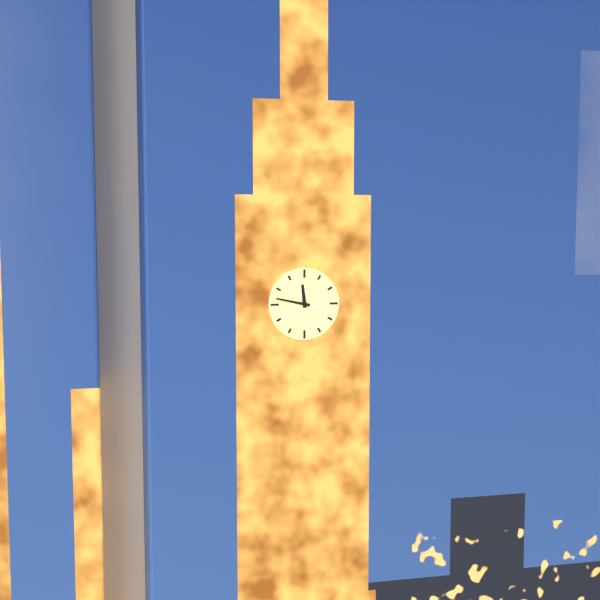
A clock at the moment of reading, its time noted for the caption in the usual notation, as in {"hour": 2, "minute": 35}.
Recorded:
{"hour": 11, "minute": 47}
